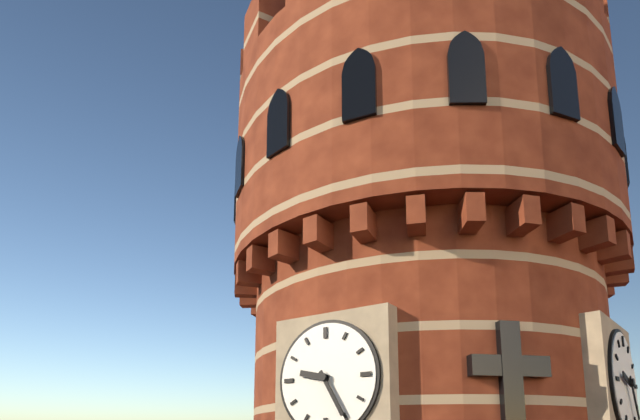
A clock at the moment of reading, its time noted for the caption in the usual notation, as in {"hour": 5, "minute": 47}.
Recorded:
{"hour": 9, "minute": 25}
